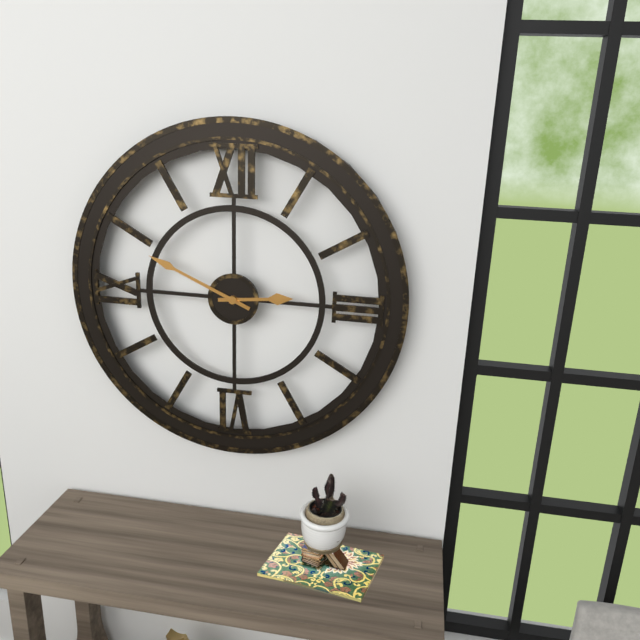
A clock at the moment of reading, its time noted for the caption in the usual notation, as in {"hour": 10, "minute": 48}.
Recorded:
{"hour": 2, "minute": 49}
